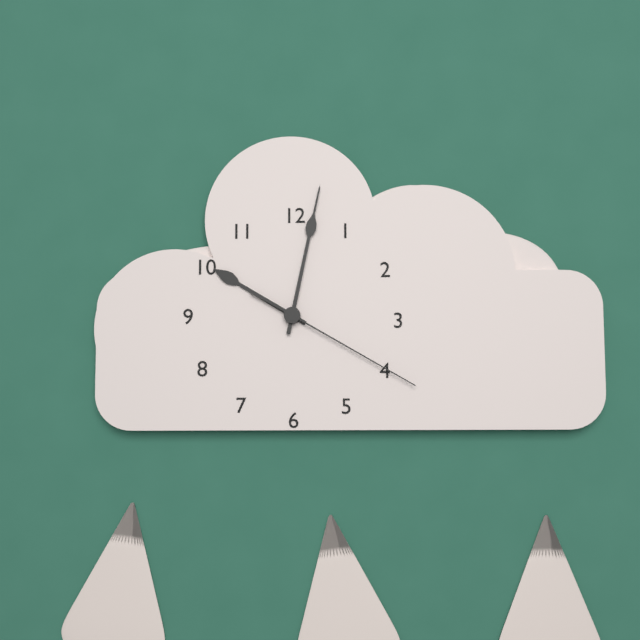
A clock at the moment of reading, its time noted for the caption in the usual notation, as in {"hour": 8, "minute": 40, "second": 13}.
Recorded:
{"hour": 10, "minute": 2, "second": 20}
